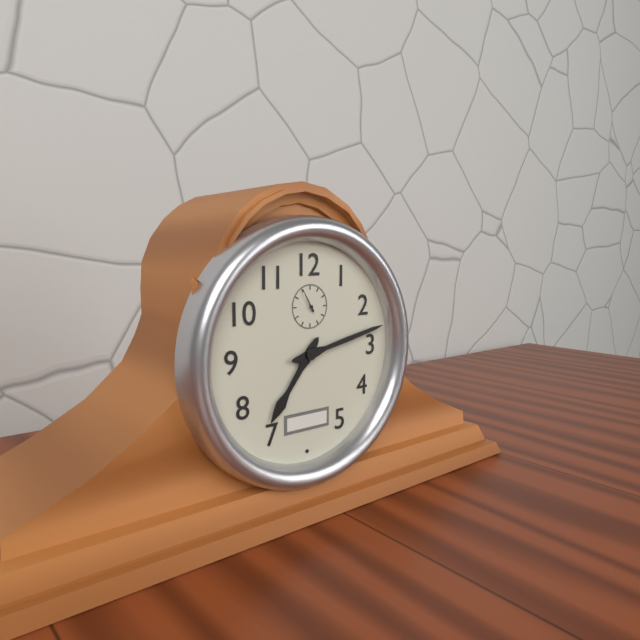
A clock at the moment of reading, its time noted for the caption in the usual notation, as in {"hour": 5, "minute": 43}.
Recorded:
{"hour": 7, "minute": 13}
